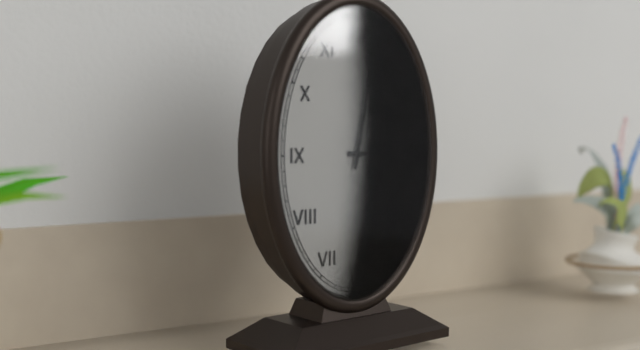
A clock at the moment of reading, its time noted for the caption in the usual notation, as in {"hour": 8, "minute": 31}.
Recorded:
{"hour": 3, "minute": 2}
